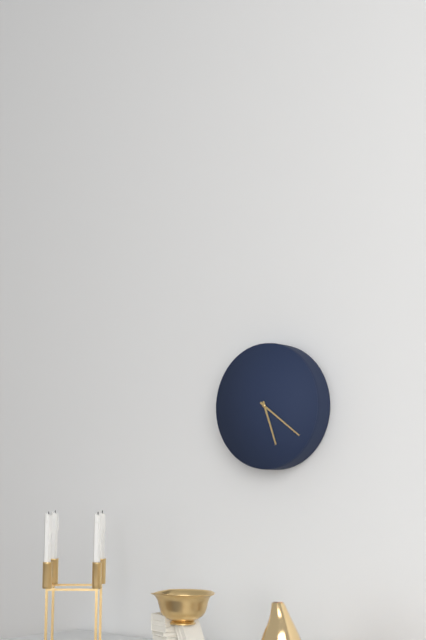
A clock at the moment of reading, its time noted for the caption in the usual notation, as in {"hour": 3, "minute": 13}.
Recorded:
{"hour": 5, "minute": 21}
